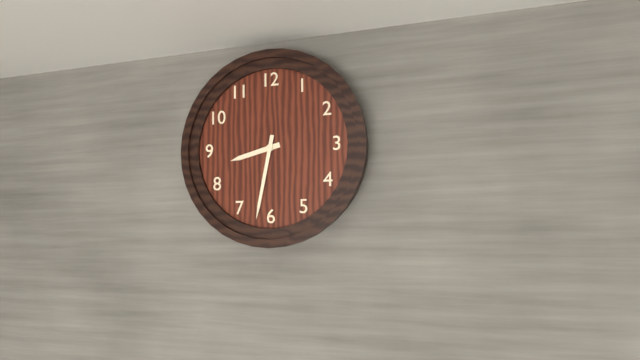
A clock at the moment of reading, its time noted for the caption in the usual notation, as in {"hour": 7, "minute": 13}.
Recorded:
{"hour": 8, "minute": 32}
